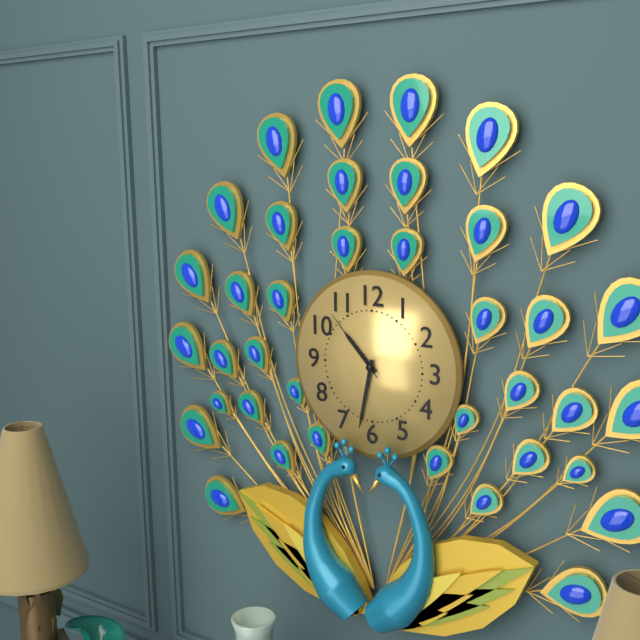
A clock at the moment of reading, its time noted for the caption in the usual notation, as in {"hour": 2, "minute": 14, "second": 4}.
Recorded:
{"hour": 10, "minute": 32, "second": 53}
